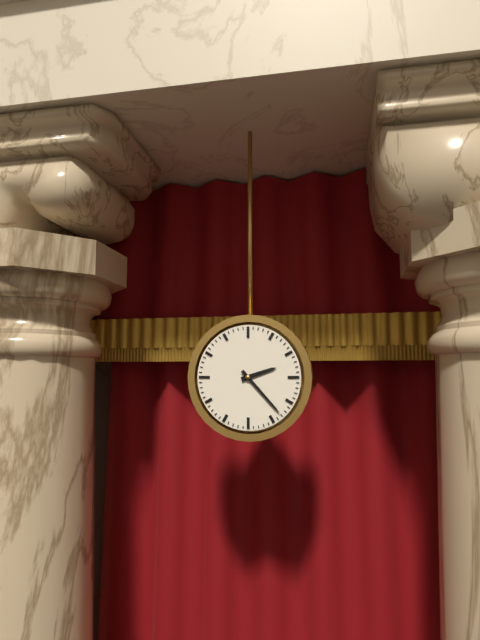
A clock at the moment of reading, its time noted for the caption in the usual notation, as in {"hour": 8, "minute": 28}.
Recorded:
{"hour": 2, "minute": 23}
